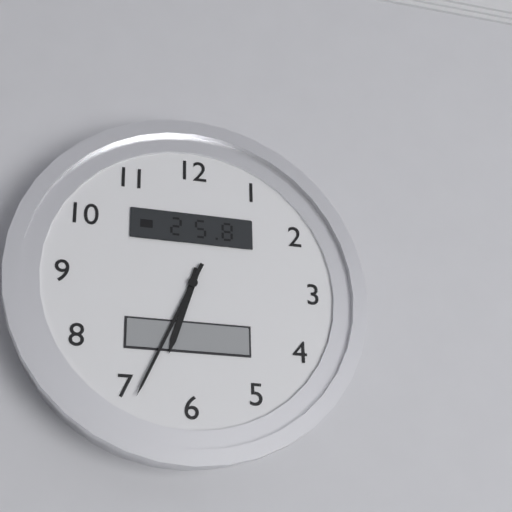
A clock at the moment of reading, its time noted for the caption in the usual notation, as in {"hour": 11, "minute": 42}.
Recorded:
{"hour": 6, "minute": 34}
